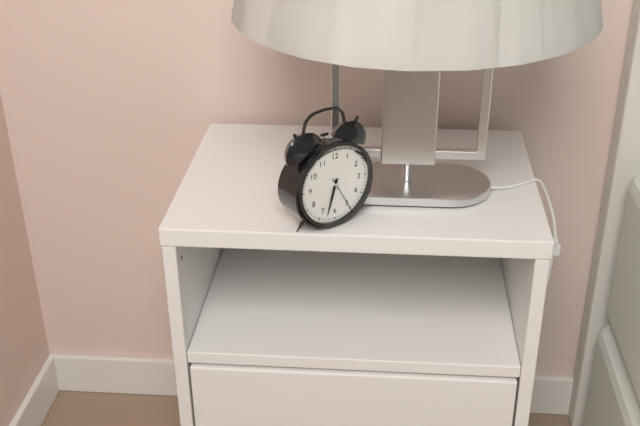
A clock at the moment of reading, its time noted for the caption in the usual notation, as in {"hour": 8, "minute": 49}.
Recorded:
{"hour": 6, "minute": 33}
